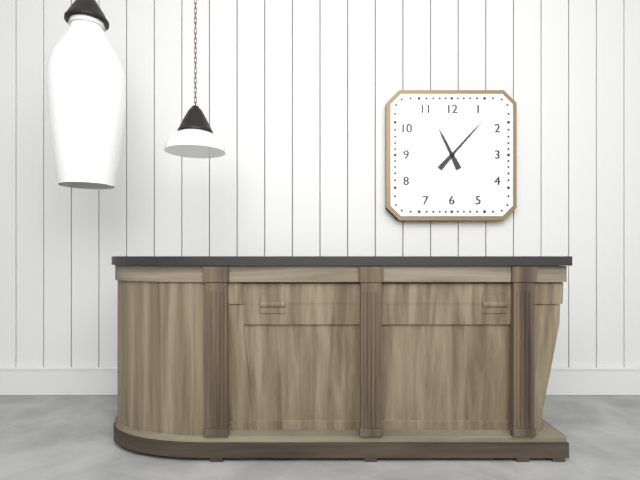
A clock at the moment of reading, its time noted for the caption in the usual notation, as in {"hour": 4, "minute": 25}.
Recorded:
{"hour": 11, "minute": 7}
